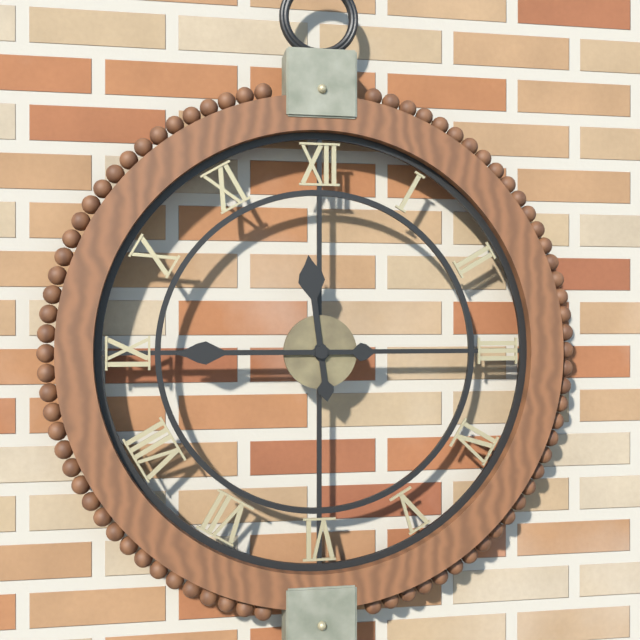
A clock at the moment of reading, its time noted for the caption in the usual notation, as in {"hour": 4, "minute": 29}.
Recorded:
{"hour": 11, "minute": 45}
